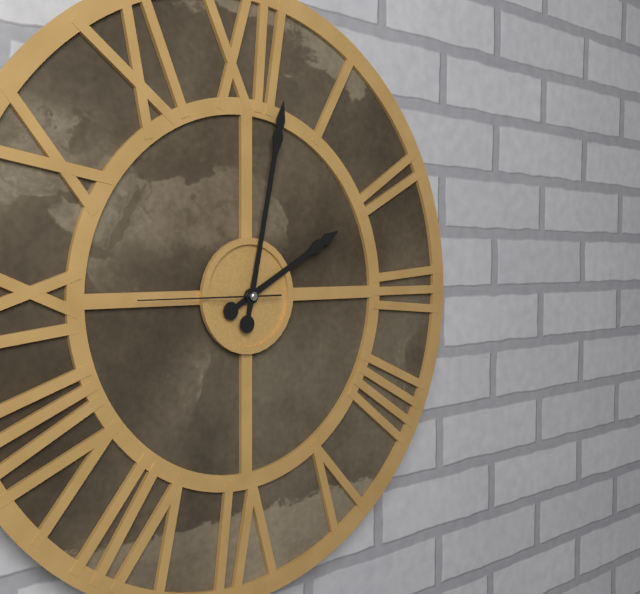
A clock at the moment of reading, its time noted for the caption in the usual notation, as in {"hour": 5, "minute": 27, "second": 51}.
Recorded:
{"hour": 2, "minute": 2, "second": 45}
